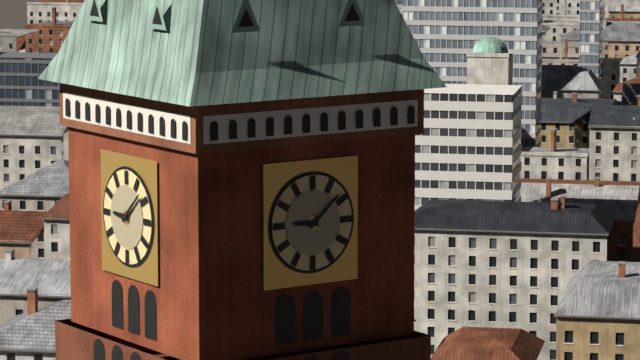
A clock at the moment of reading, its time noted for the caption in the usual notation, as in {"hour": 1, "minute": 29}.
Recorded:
{"hour": 9, "minute": 8}
